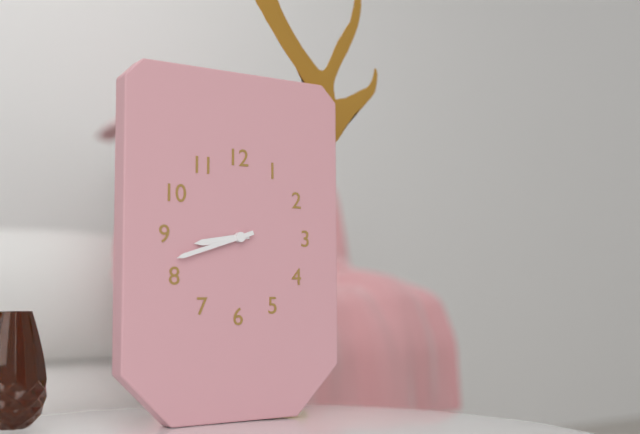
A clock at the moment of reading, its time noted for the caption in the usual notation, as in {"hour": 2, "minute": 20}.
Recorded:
{"hour": 8, "minute": 42}
